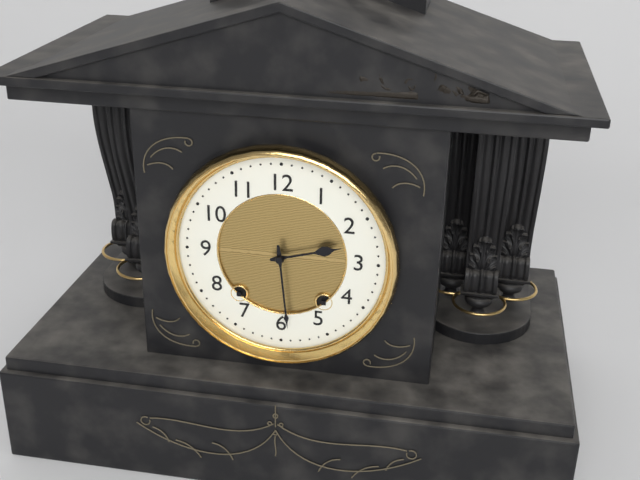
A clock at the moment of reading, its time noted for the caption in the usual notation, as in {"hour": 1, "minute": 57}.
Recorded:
{"hour": 2, "minute": 29}
